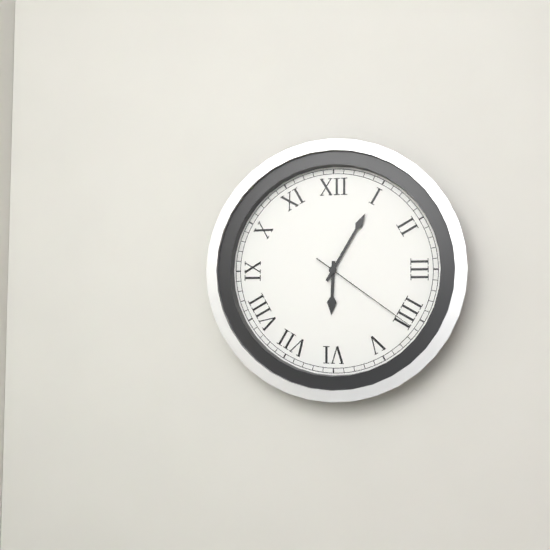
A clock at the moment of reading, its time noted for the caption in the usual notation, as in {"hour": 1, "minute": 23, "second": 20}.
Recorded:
{"hour": 6, "minute": 5, "second": 21}
